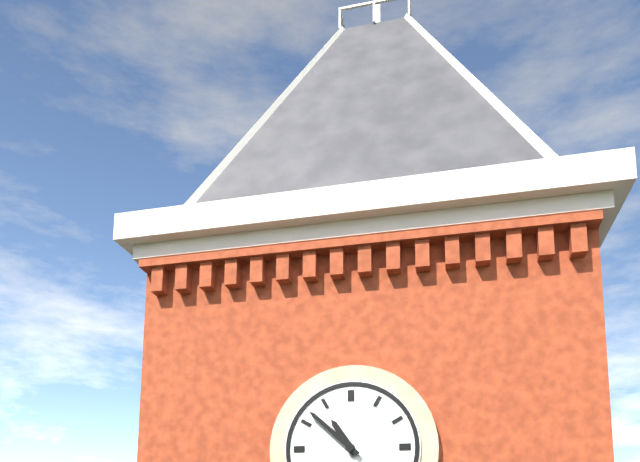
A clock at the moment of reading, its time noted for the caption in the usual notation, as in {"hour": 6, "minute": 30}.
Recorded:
{"hour": 10, "minute": 52}
